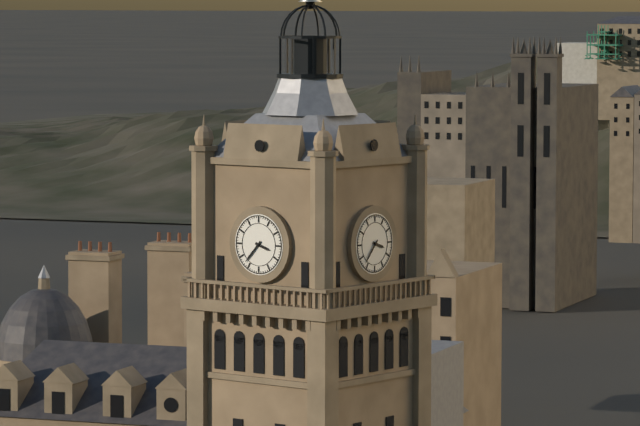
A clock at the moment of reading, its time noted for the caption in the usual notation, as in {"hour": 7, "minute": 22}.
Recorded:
{"hour": 3, "minute": 37}
